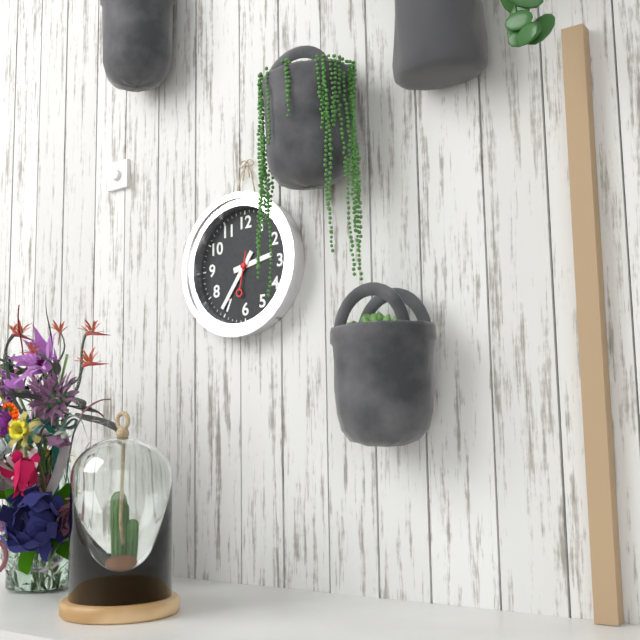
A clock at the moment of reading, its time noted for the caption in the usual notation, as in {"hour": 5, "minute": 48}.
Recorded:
{"hour": 2, "minute": 36}
